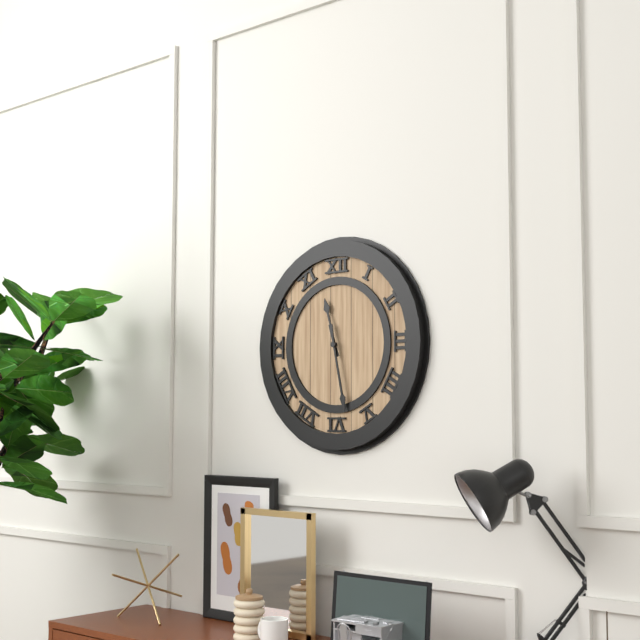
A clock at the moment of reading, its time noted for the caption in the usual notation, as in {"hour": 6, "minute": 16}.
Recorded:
{"hour": 11, "minute": 28}
